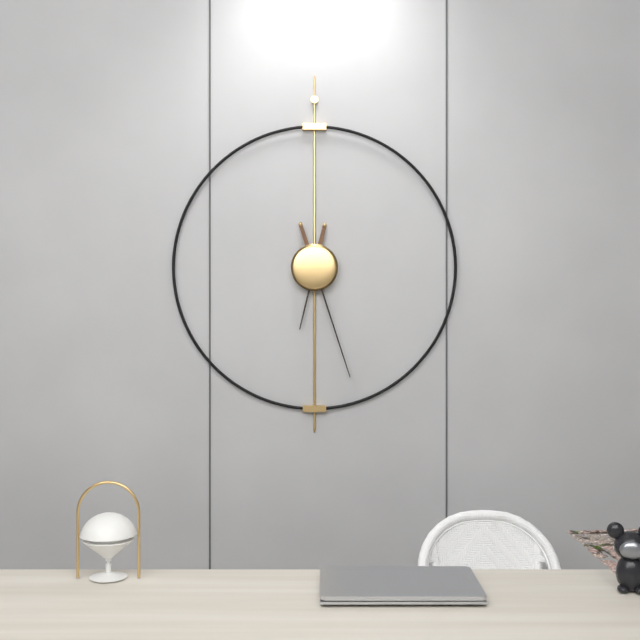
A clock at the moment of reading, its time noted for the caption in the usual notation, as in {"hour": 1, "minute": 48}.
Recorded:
{"hour": 6, "minute": 27}
